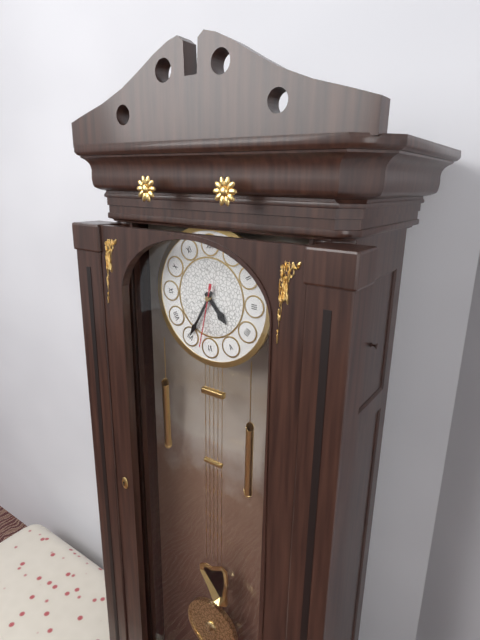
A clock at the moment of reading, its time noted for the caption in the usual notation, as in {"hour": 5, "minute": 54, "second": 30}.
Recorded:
{"hour": 4, "minute": 35, "second": 32}
